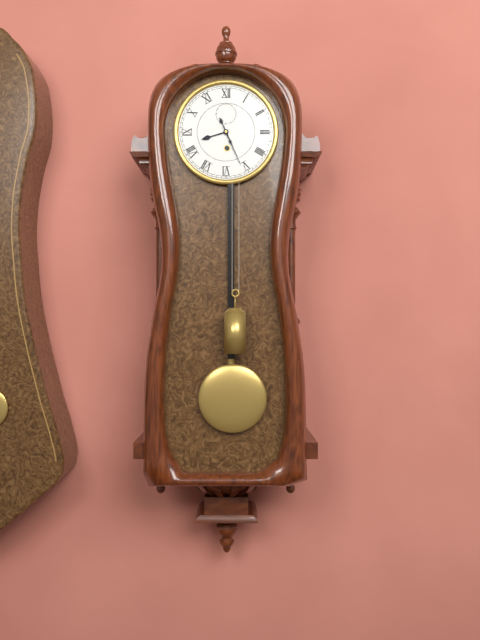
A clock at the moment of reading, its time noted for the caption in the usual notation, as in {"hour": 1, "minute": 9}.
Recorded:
{"hour": 8, "minute": 26}
